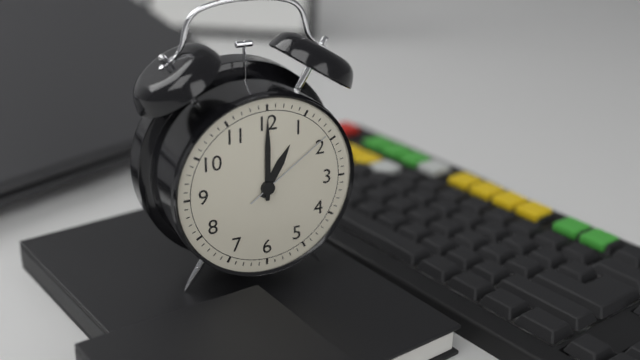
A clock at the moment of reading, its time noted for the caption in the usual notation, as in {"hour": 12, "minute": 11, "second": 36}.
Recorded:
{"hour": 1, "minute": 0, "second": 9}
